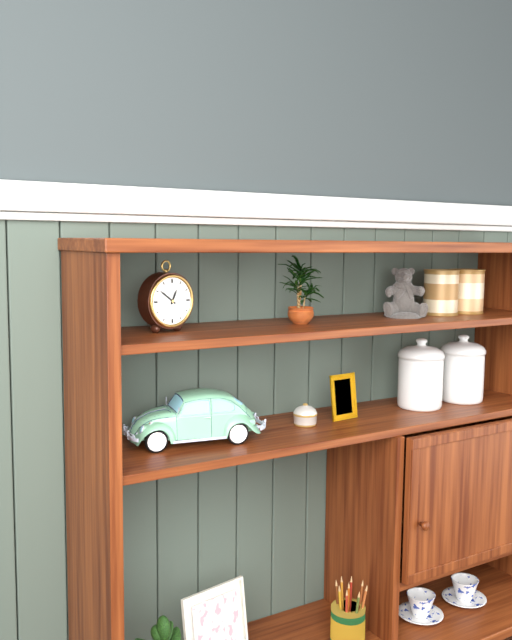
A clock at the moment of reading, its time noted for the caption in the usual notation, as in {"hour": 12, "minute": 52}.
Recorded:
{"hour": 12, "minute": 51}
